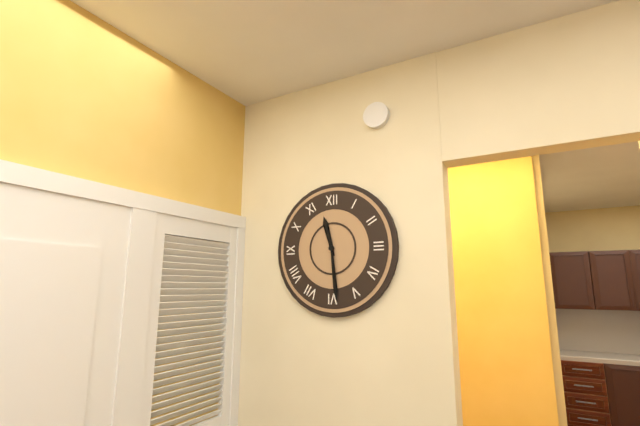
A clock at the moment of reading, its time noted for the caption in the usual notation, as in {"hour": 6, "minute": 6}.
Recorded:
{"hour": 11, "minute": 29}
